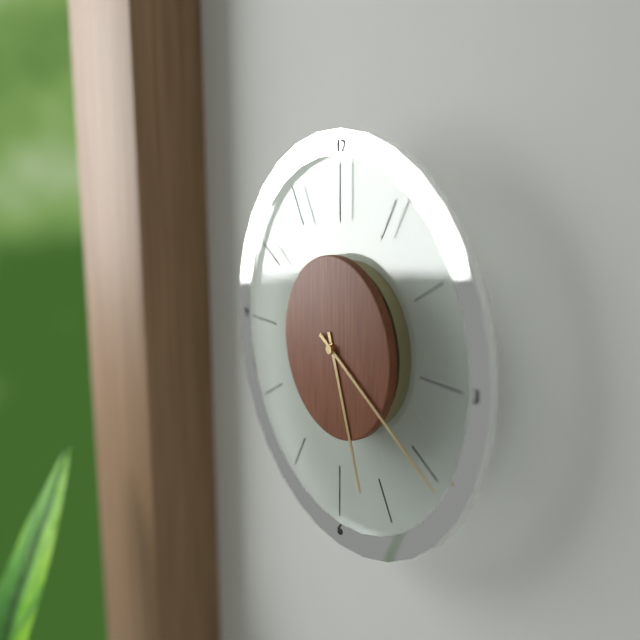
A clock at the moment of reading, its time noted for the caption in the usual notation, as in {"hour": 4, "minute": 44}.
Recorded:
{"hour": 5, "minute": 20}
